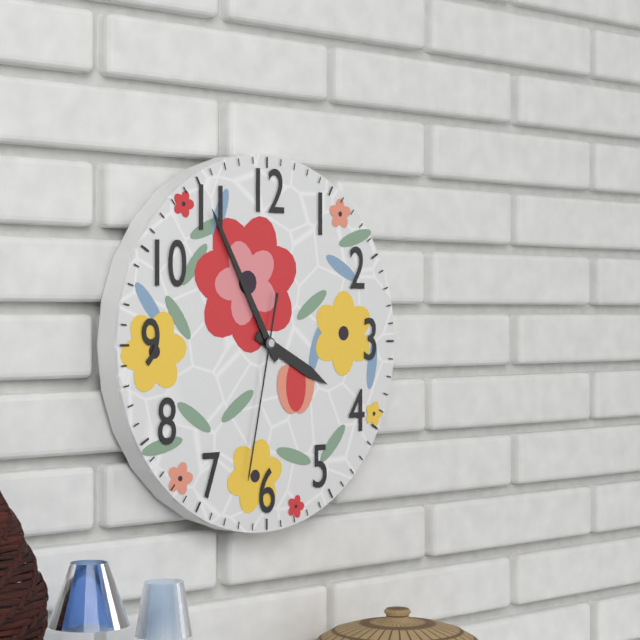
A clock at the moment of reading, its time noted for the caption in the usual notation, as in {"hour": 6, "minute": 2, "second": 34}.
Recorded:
{"hour": 3, "minute": 55, "second": 32}
